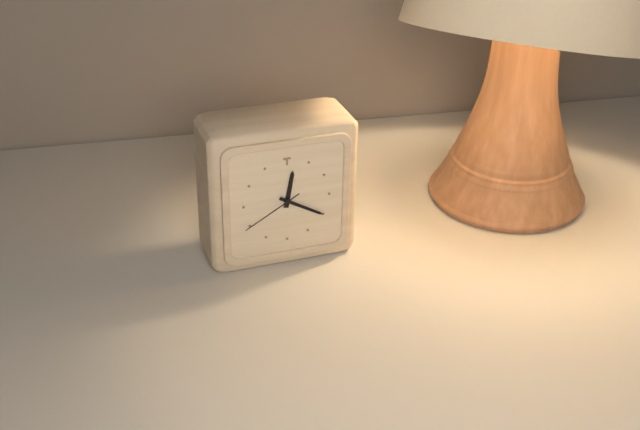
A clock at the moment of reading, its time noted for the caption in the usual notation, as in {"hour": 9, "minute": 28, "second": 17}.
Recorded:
{"hour": 12, "minute": 20, "second": 40}
